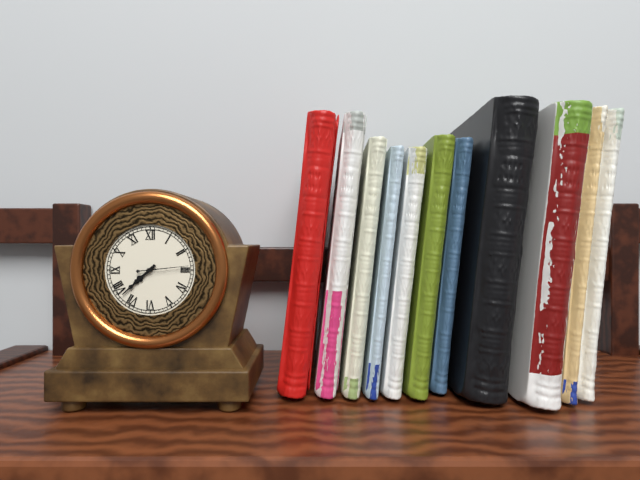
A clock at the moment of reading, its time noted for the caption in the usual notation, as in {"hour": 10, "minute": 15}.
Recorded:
{"hour": 7, "minute": 38}
